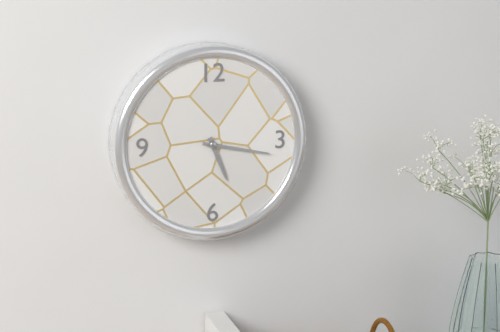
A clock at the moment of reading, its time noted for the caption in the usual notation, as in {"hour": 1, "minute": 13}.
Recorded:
{"hour": 5, "minute": 17}
